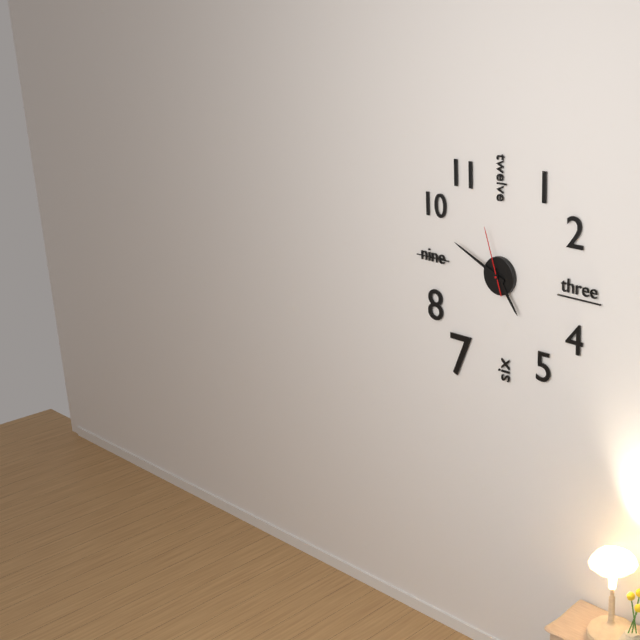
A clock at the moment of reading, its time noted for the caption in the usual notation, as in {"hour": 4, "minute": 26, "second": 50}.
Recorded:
{"hour": 4, "minute": 49, "second": 57}
